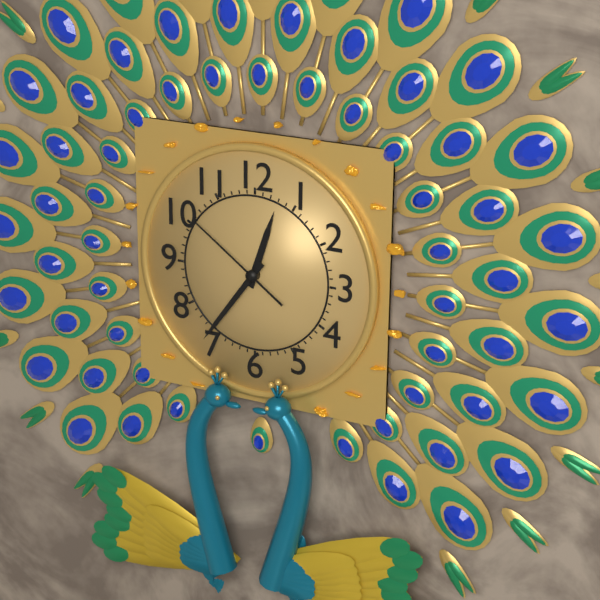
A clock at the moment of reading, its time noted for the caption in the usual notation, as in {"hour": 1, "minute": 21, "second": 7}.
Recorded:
{"hour": 12, "minute": 36, "second": 51}
